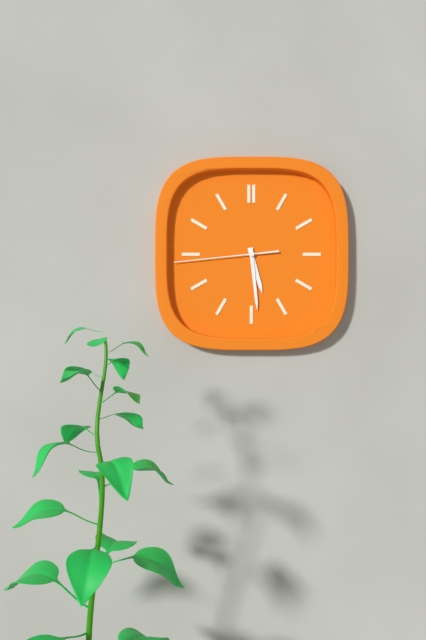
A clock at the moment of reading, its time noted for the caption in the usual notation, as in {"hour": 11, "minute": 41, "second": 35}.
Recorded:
{"hour": 5, "minute": 29, "second": 44}
